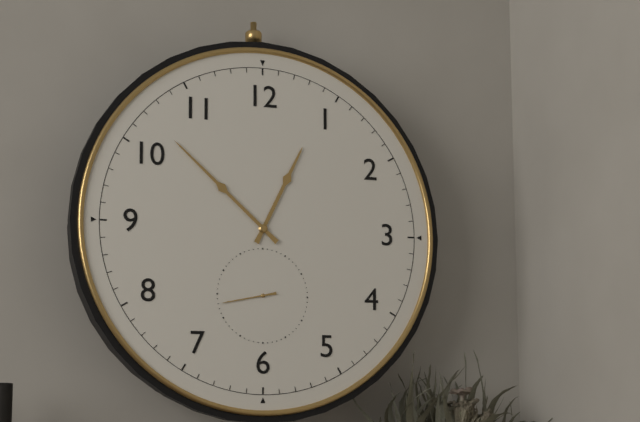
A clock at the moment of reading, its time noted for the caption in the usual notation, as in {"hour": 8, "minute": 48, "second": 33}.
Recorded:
{"hour": 12, "minute": 52, "second": 43}
